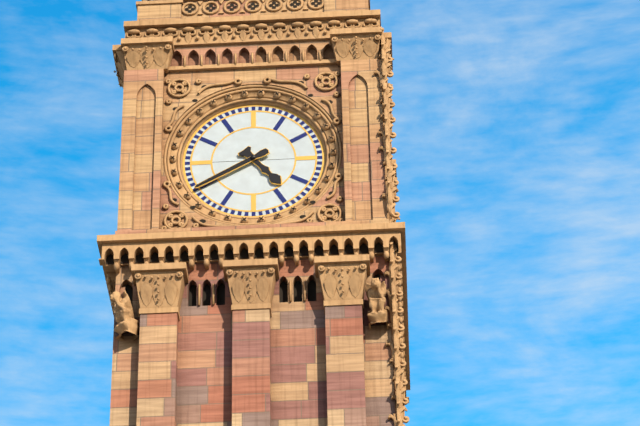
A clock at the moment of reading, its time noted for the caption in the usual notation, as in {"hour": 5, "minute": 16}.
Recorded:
{"hour": 4, "minute": 40}
